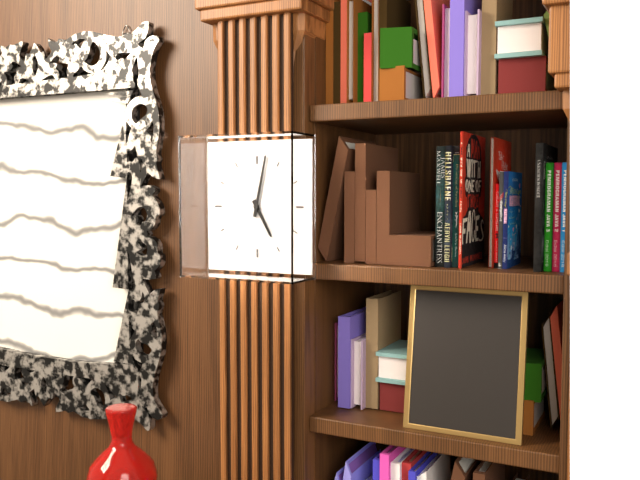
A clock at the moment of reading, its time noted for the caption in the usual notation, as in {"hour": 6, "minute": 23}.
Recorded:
{"hour": 5, "minute": 2}
